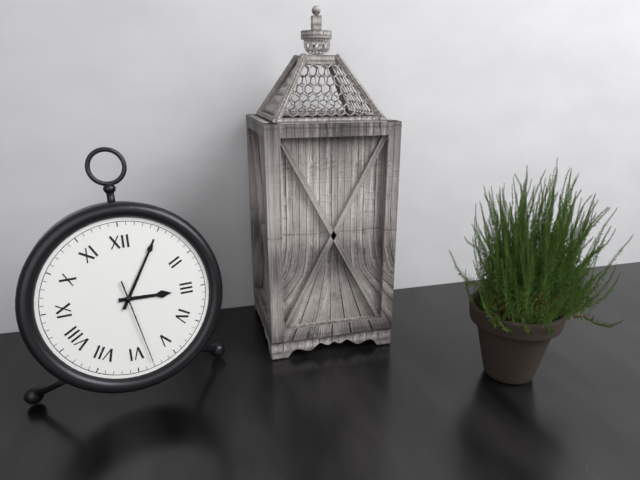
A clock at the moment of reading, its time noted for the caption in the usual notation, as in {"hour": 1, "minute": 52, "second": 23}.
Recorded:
{"hour": 3, "minute": 5, "second": 28}
